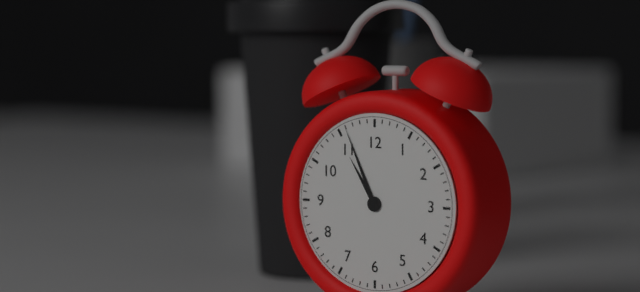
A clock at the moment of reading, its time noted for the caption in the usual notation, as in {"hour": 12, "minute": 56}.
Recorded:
{"hour": 10, "minute": 56}
